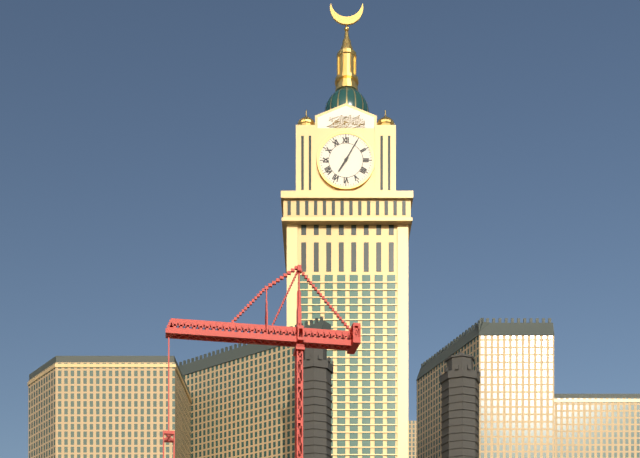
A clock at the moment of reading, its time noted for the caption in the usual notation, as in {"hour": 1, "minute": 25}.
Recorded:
{"hour": 7, "minute": 5}
